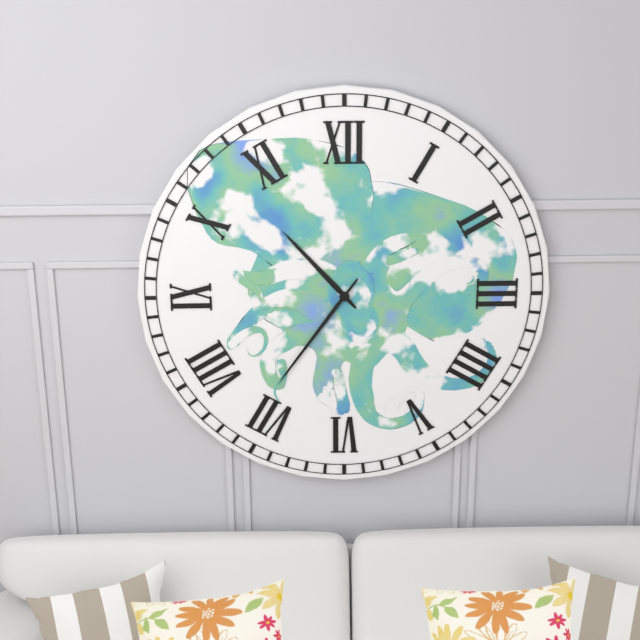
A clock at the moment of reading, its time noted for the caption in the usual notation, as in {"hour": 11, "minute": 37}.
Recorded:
{"hour": 10, "minute": 36}
